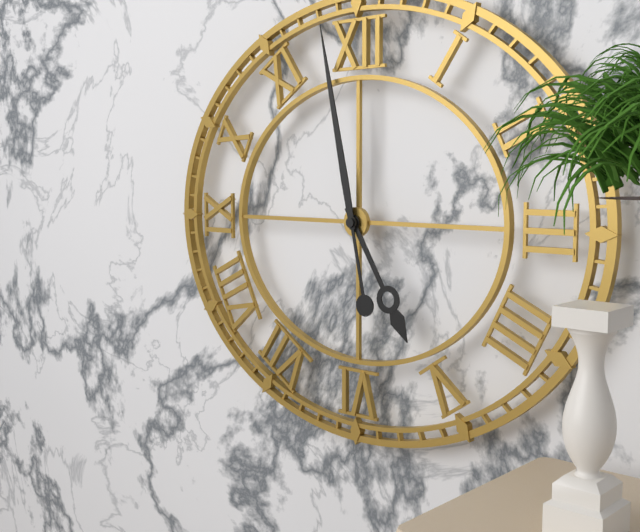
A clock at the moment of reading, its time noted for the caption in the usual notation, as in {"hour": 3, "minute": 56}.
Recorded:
{"hour": 4, "minute": 58}
